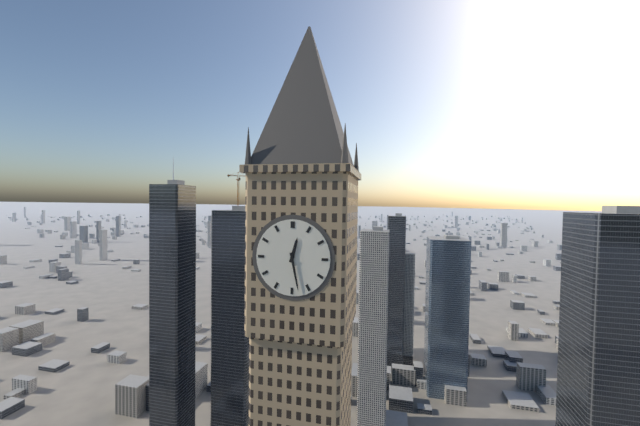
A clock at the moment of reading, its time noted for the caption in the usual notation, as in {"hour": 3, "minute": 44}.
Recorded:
{"hour": 12, "minute": 28}
